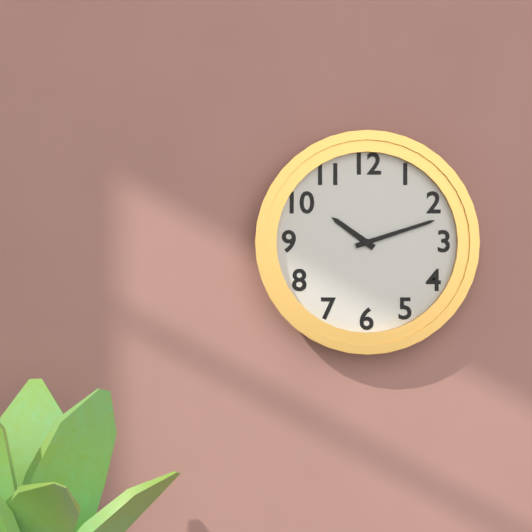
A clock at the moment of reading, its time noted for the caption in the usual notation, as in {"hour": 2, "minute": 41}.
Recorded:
{"hour": 10, "minute": 12}
